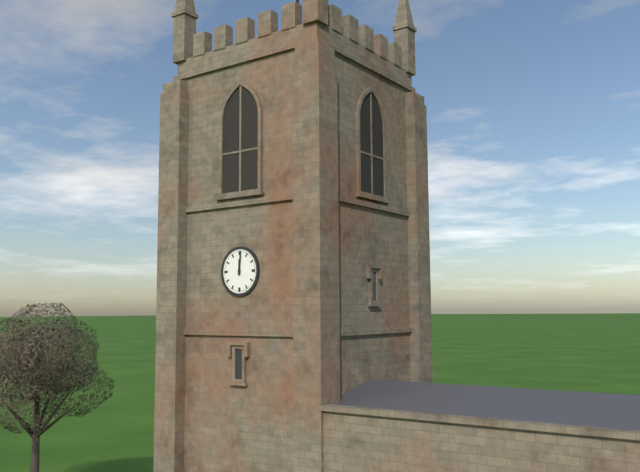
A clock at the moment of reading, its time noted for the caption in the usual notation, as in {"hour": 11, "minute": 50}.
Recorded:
{"hour": 12, "minute": 1}
